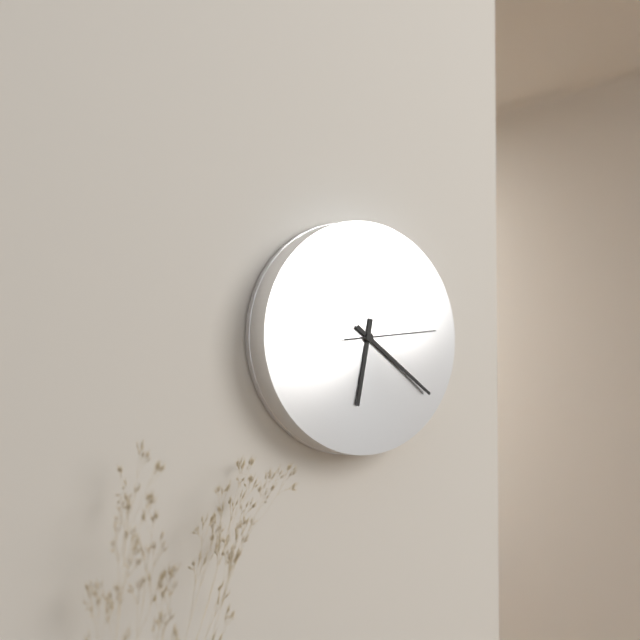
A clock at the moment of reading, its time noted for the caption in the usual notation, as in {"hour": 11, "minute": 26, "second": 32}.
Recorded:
{"hour": 6, "minute": 21, "second": 14}
